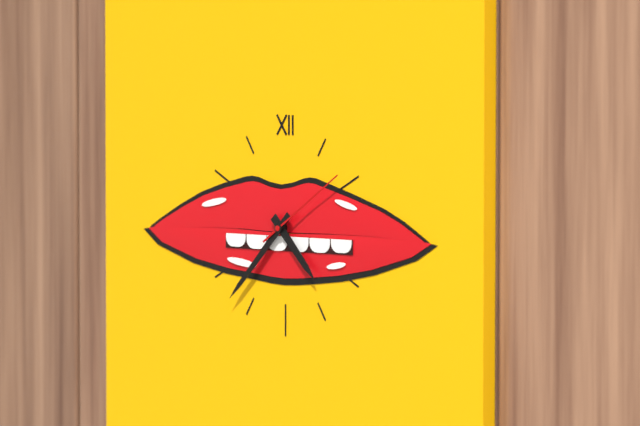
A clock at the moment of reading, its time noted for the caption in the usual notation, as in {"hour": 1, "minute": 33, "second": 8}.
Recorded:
{"hour": 4, "minute": 37, "second": 9}
